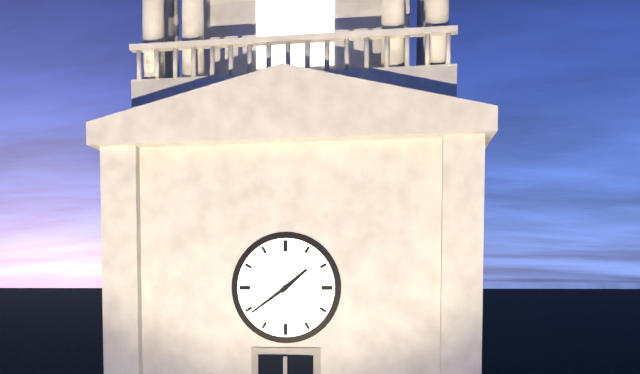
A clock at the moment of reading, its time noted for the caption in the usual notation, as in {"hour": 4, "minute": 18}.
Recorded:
{"hour": 1, "minute": 39}
